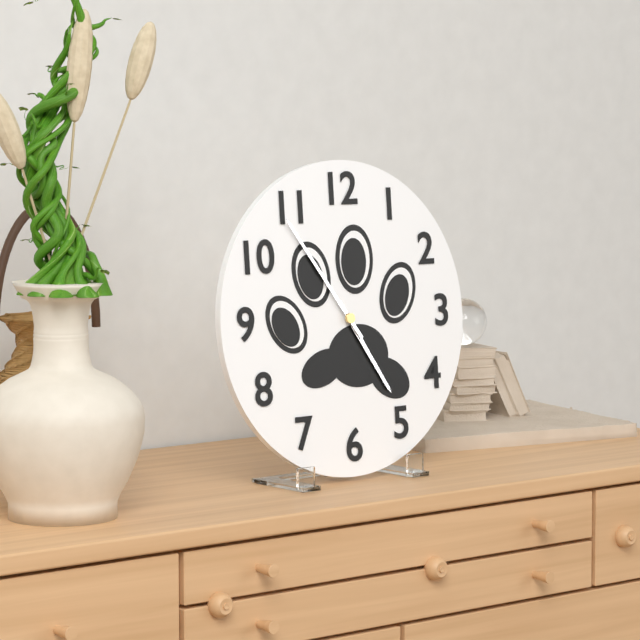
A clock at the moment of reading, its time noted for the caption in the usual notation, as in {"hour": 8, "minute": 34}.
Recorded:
{"hour": 4, "minute": 54}
